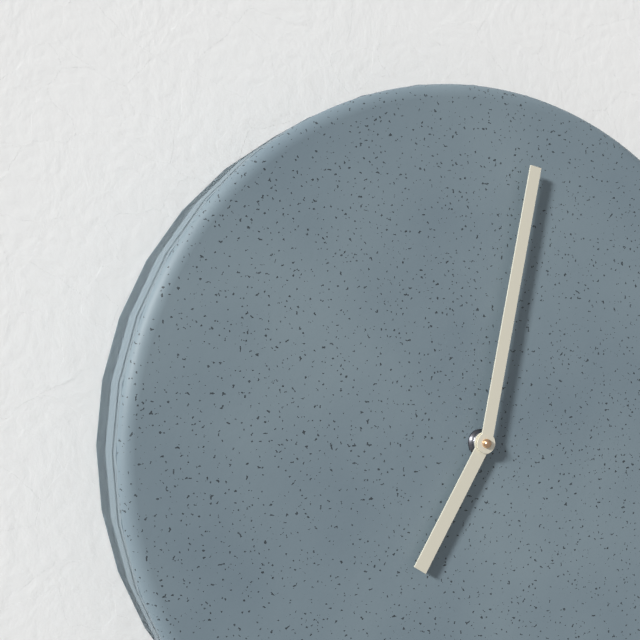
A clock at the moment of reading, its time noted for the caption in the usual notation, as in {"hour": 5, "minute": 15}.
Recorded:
{"hour": 7, "minute": 2}
